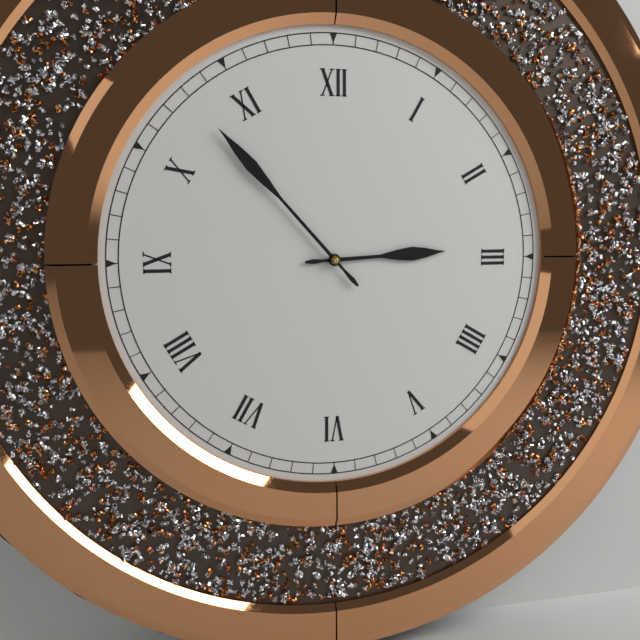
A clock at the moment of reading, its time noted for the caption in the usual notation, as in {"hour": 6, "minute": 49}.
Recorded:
{"hour": 2, "minute": 53}
